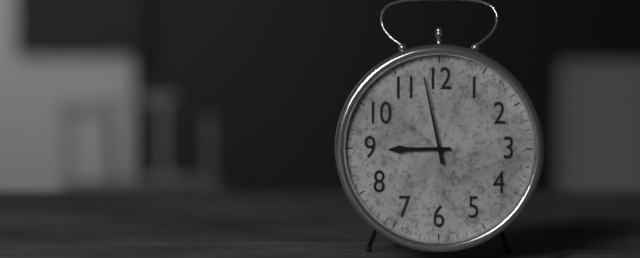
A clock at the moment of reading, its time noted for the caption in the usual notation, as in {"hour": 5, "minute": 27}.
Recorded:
{"hour": 8, "minute": 58}
